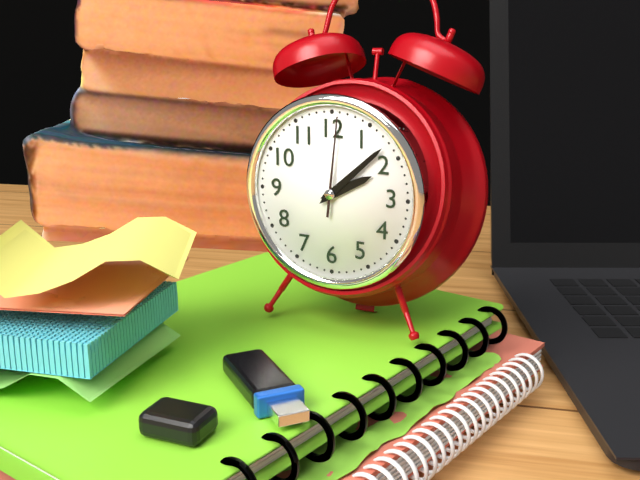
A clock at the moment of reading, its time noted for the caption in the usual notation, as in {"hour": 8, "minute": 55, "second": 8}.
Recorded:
{"hour": 2, "minute": 8, "second": 1}
